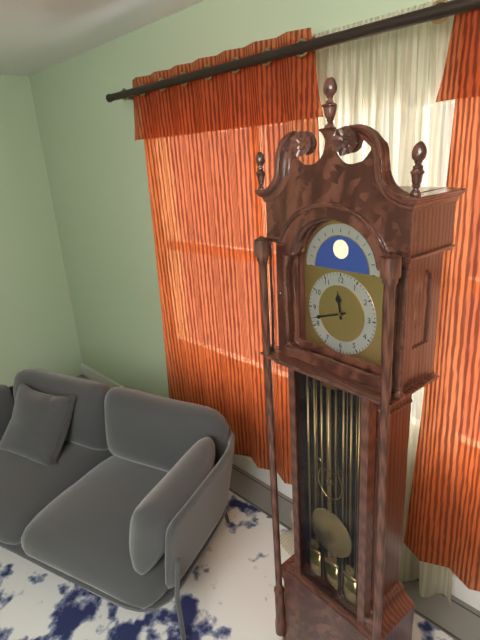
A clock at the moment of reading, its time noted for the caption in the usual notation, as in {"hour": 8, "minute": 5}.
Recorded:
{"hour": 11, "minute": 42}
